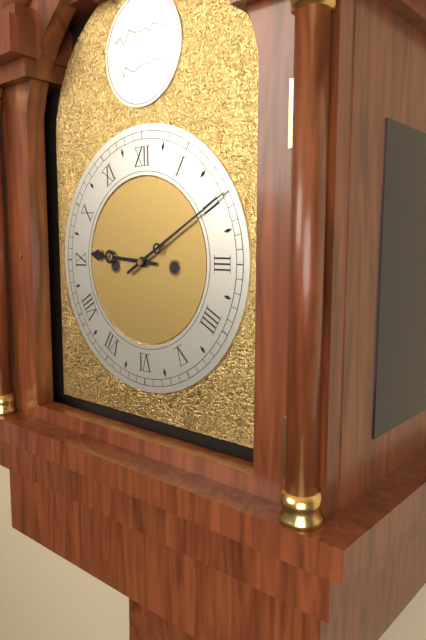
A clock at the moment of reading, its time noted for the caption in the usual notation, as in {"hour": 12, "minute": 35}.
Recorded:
{"hour": 9, "minute": 10}
